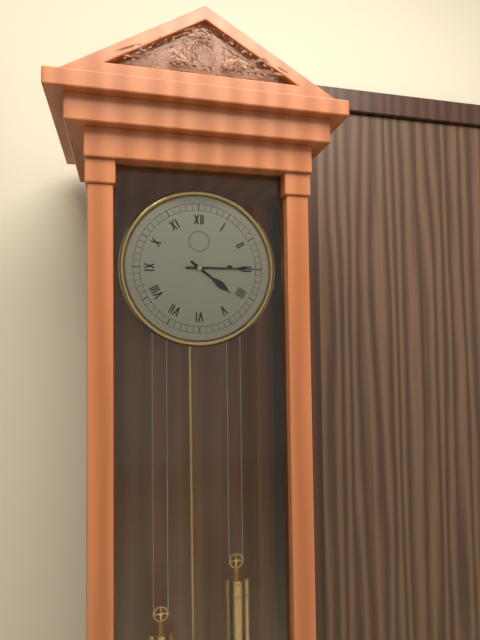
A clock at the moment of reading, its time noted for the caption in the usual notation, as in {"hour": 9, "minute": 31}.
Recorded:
{"hour": 4, "minute": 15}
